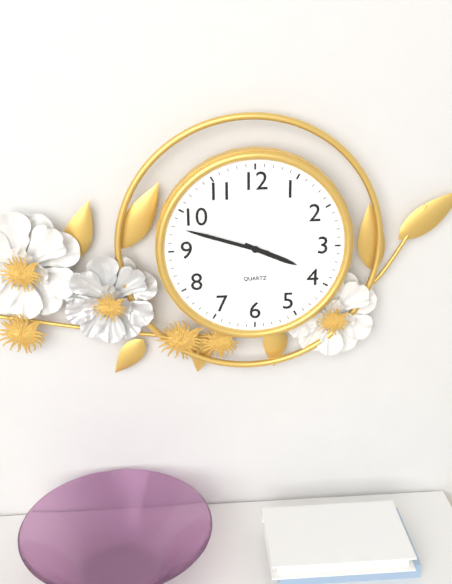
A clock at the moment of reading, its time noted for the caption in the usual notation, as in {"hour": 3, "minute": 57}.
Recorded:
{"hour": 3, "minute": 48}
